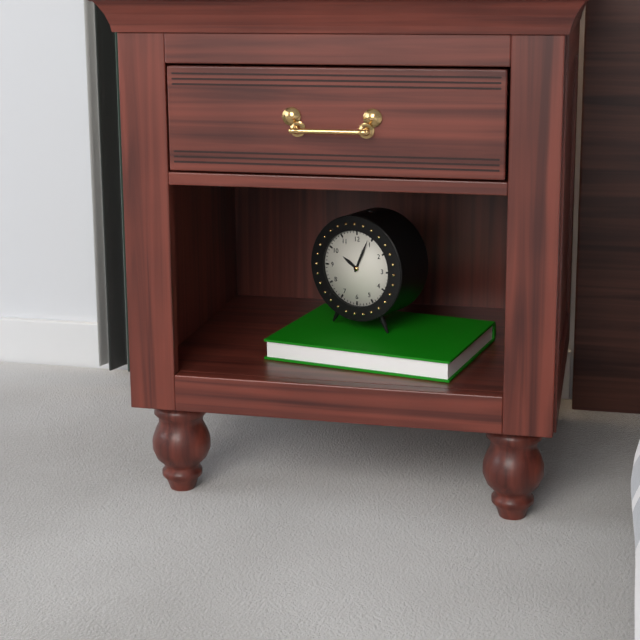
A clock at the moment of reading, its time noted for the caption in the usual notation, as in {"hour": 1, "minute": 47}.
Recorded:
{"hour": 10, "minute": 4}
